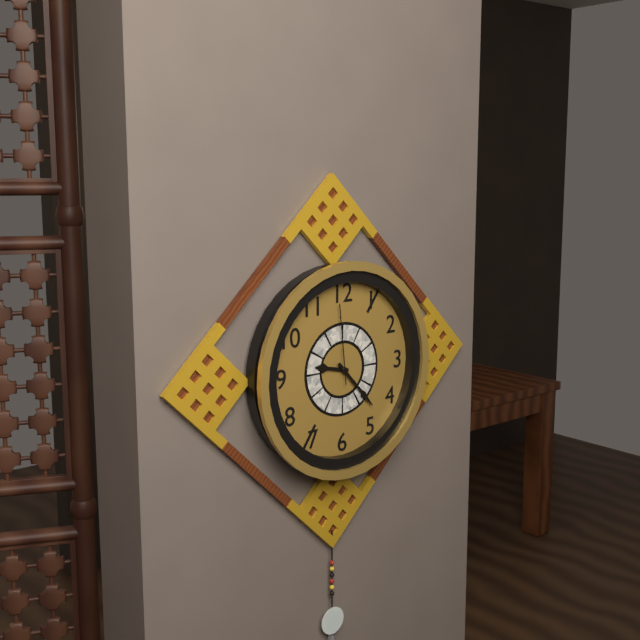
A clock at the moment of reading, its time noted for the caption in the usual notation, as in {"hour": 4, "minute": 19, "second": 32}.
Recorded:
{"hour": 9, "minute": 23, "second": 59}
